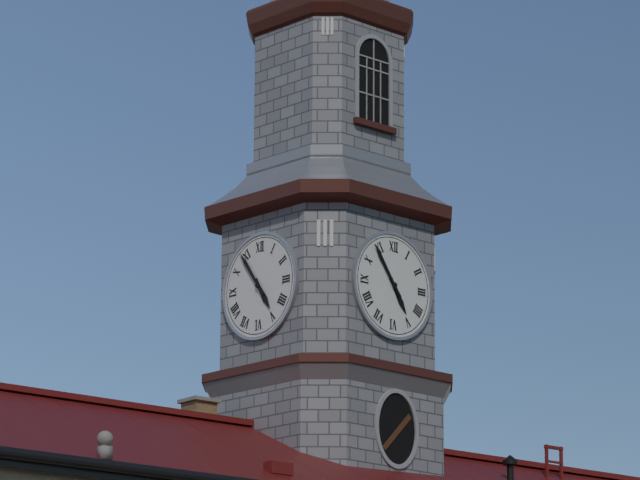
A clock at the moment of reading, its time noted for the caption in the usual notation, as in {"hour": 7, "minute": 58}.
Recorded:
{"hour": 4, "minute": 54}
